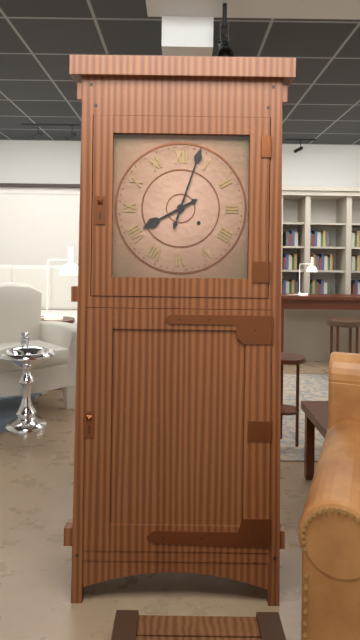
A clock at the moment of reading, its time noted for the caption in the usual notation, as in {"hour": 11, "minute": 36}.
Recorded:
{"hour": 8, "minute": 3}
